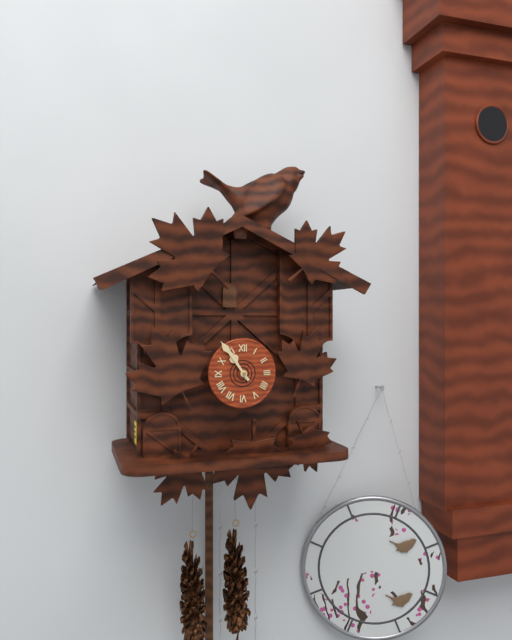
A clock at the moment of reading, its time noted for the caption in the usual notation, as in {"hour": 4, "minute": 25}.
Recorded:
{"hour": 10, "minute": 54}
